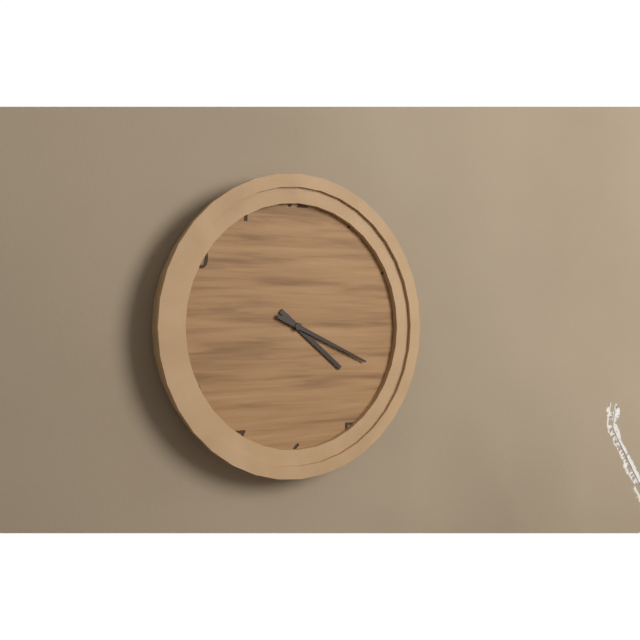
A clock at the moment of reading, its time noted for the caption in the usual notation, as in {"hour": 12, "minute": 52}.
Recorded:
{"hour": 4, "minute": 19}
